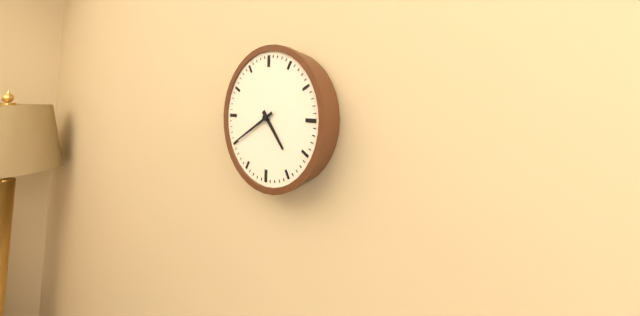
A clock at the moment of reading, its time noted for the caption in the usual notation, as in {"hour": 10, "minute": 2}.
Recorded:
{"hour": 4, "minute": 40}
